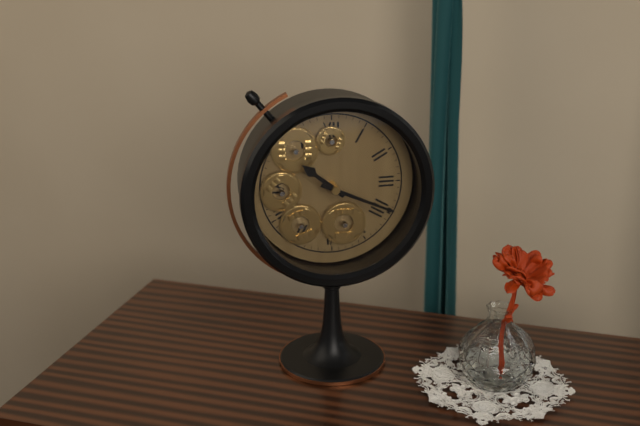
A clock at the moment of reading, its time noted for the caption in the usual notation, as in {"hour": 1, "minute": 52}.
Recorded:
{"hour": 10, "minute": 19}
